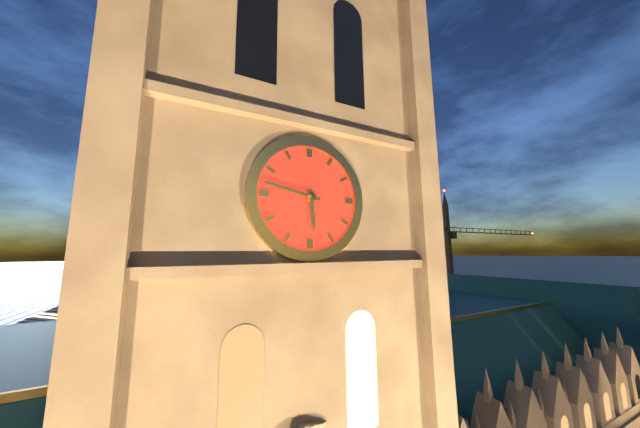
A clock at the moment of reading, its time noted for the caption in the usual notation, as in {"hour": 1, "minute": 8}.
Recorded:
{"hour": 5, "minute": 47}
